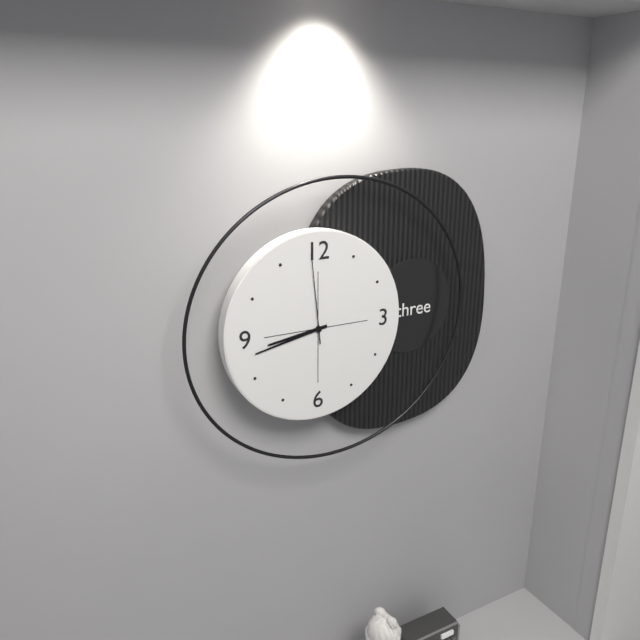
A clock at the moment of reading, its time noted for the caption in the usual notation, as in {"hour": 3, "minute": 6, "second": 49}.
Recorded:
{"hour": 8, "minute": 43, "second": 59}
